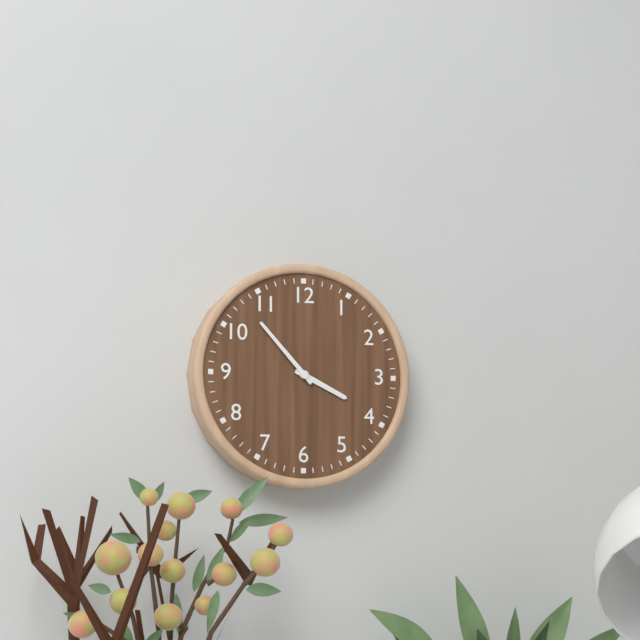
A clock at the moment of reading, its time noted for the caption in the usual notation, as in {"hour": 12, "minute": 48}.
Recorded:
{"hour": 3, "minute": 53}
